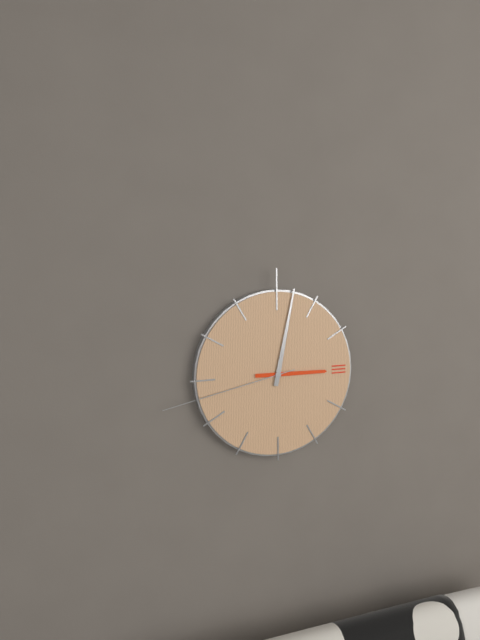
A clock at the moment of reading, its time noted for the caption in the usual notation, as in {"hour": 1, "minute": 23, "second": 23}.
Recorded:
{"hour": 3, "minute": 2, "second": 43}
